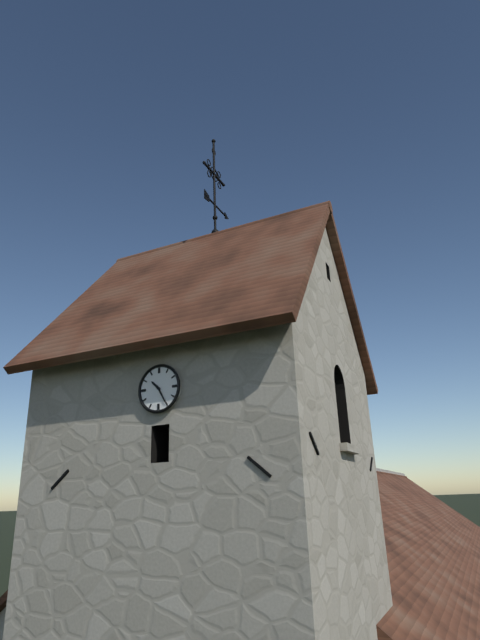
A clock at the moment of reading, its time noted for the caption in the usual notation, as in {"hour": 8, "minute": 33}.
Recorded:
{"hour": 10, "minute": 25}
